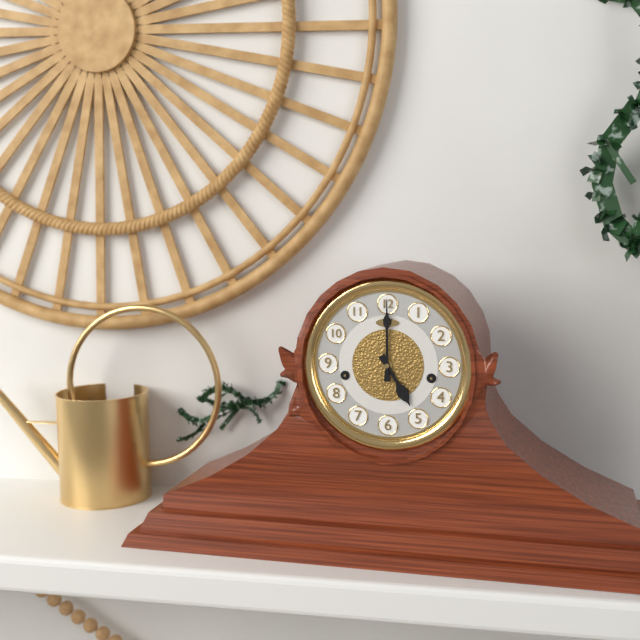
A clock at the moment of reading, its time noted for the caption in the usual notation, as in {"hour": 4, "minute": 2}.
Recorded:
{"hour": 5, "minute": 0}
